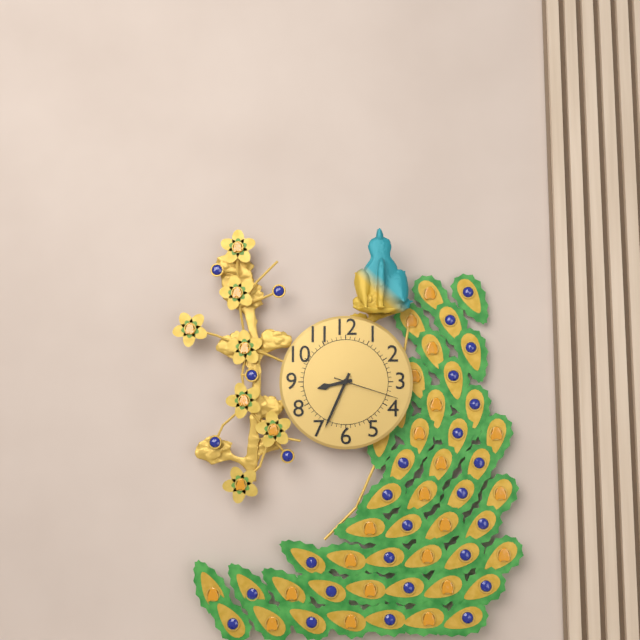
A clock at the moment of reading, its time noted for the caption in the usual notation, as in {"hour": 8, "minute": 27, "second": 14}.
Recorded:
{"hour": 8, "minute": 34, "second": 18}
